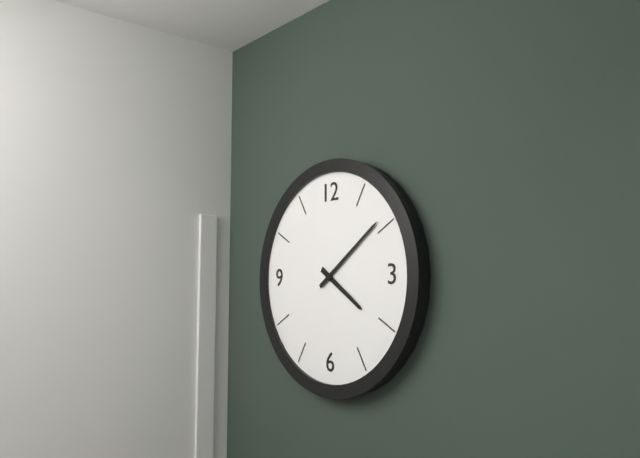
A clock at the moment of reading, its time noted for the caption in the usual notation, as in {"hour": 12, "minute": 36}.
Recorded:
{"hour": 4, "minute": 9}
